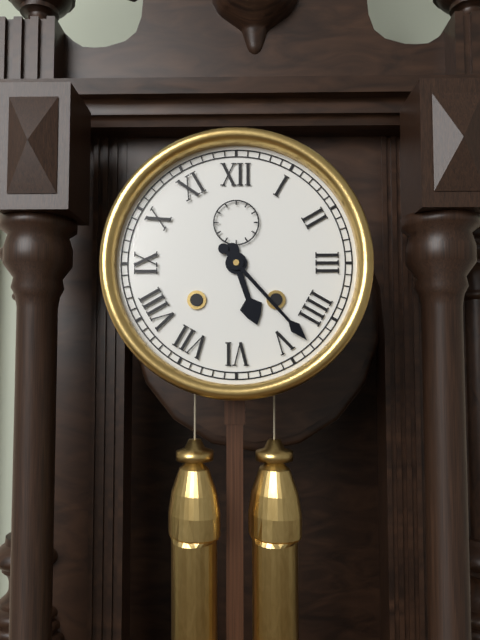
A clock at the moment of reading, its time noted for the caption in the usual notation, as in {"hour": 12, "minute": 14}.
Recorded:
{"hour": 5, "minute": 23}
